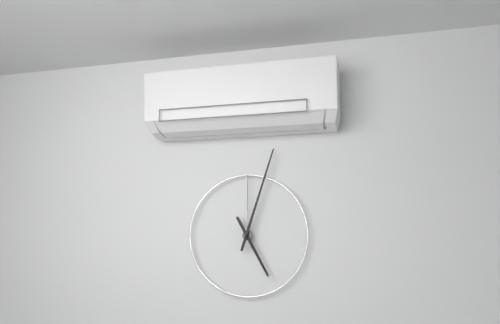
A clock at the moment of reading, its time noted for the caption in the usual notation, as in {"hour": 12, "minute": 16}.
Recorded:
{"hour": 5, "minute": 3}
